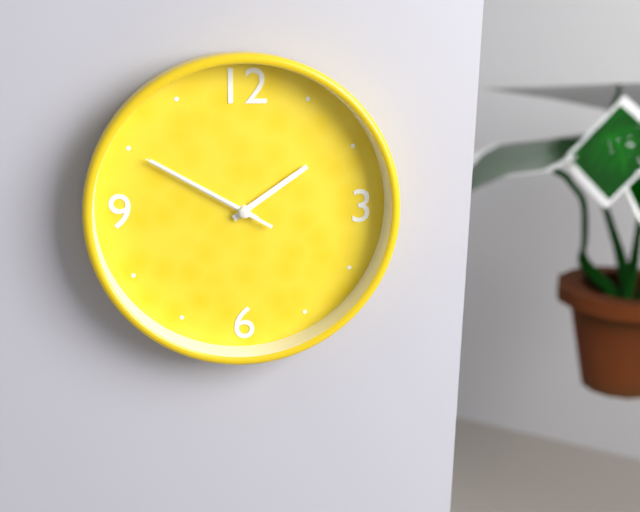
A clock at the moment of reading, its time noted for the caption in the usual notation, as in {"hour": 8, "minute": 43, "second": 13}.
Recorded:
{"hour": 1, "minute": 50, "second": 50}
